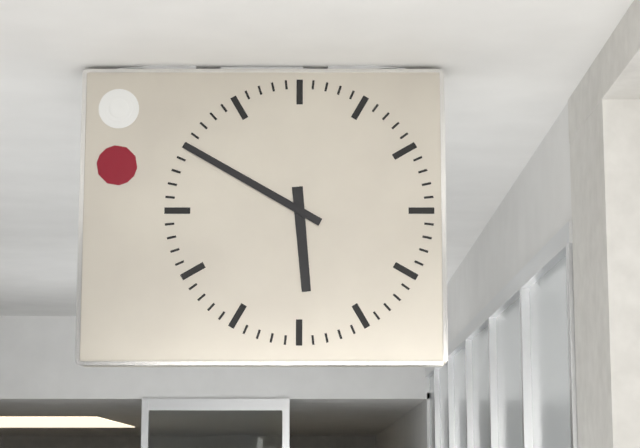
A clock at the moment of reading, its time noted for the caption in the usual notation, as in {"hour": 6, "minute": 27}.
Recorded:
{"hour": 5, "minute": 50}
